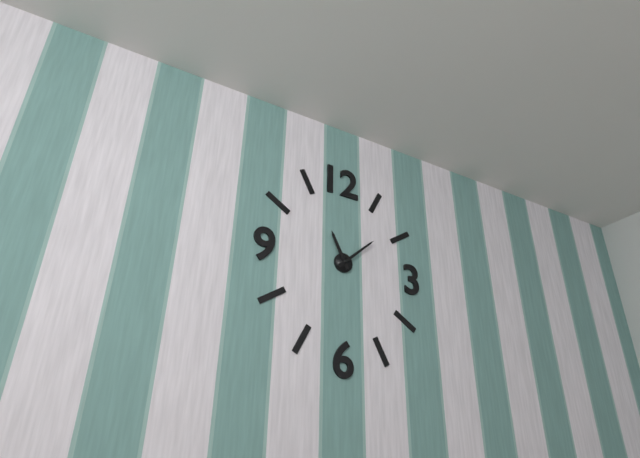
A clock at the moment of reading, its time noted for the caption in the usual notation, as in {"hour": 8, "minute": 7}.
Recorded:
{"hour": 11, "minute": 8}
